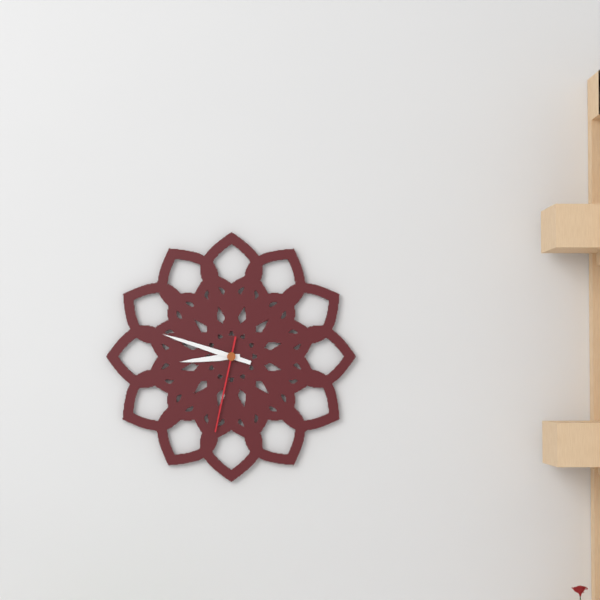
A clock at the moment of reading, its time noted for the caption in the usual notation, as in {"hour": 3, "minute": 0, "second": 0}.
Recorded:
{"hour": 8, "minute": 48, "second": 32}
